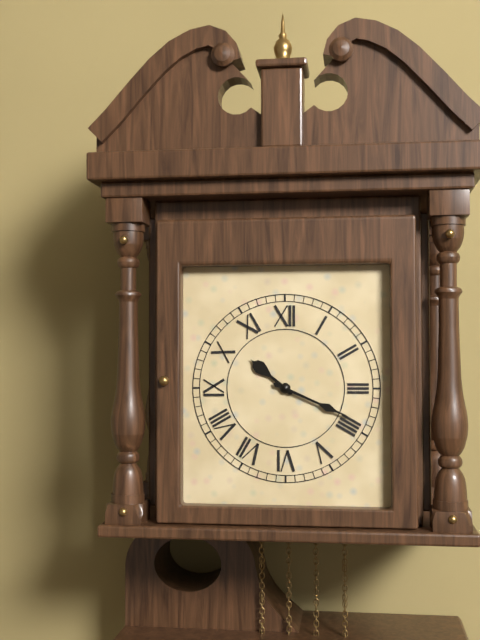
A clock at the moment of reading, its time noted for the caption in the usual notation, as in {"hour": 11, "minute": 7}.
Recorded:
{"hour": 10, "minute": 19}
